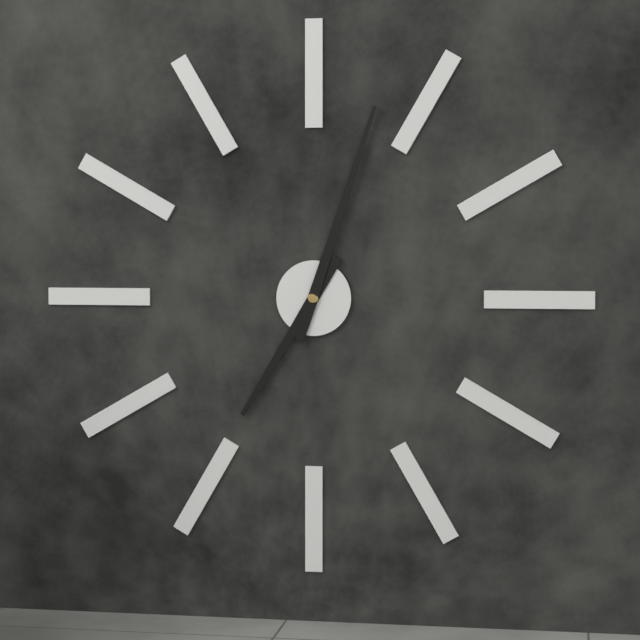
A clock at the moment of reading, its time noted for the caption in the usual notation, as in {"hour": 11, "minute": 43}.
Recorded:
{"hour": 7, "minute": 3}
